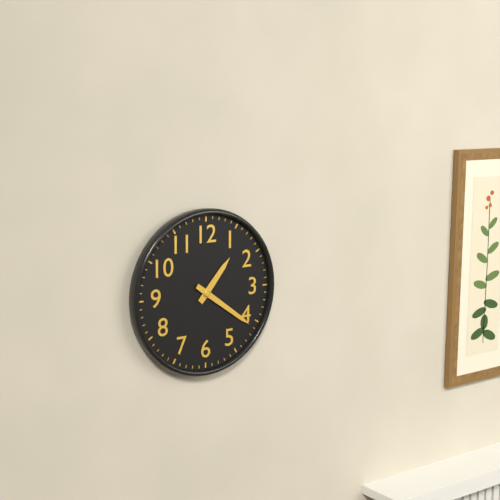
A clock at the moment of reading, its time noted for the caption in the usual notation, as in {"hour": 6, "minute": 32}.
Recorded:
{"hour": 1, "minute": 21}
